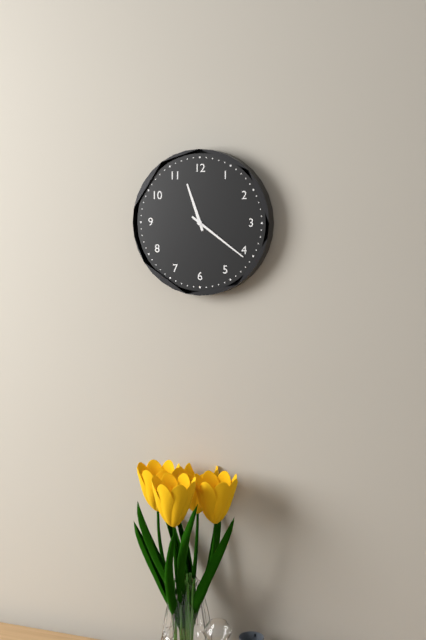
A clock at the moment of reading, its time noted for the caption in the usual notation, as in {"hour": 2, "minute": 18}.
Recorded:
{"hour": 11, "minute": 21}
